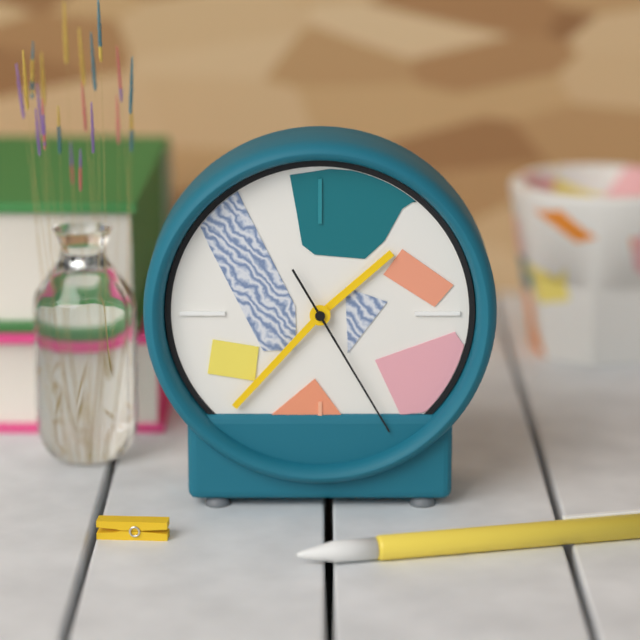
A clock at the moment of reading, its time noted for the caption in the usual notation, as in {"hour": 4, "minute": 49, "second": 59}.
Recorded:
{"hour": 1, "minute": 37, "second": 25}
